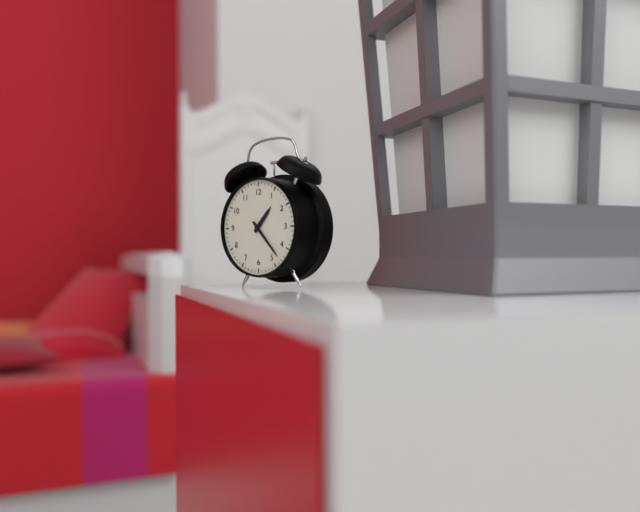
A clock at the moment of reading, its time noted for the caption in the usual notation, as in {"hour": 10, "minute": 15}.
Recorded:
{"hour": 1, "minute": 23}
